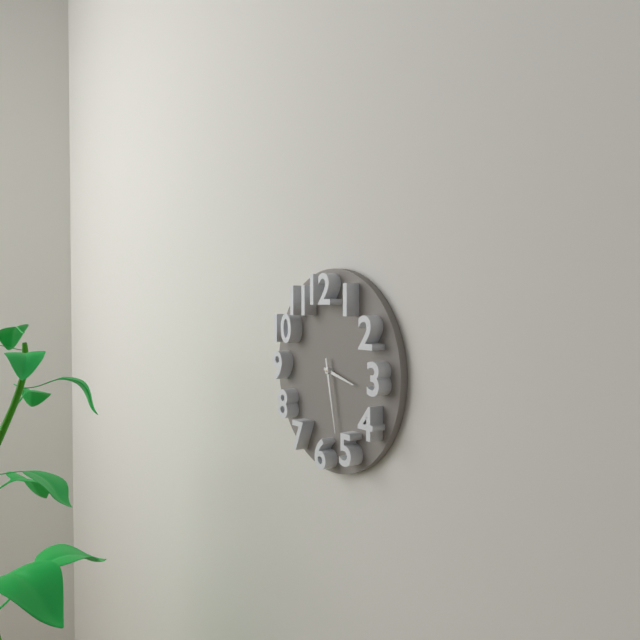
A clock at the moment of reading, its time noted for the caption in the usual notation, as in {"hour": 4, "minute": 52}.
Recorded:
{"hour": 3, "minute": 28}
